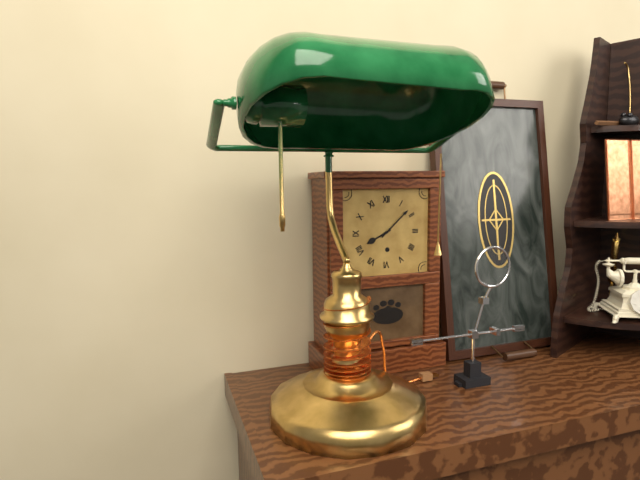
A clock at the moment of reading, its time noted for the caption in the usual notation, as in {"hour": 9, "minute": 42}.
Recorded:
{"hour": 8, "minute": 8}
